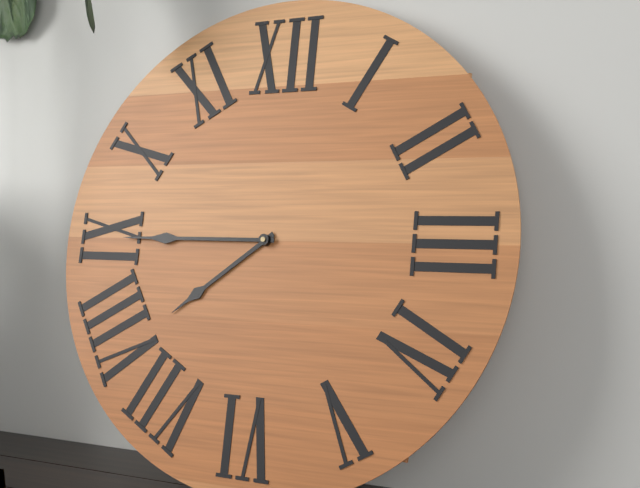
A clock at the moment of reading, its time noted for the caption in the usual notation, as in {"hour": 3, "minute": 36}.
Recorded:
{"hour": 7, "minute": 45}
